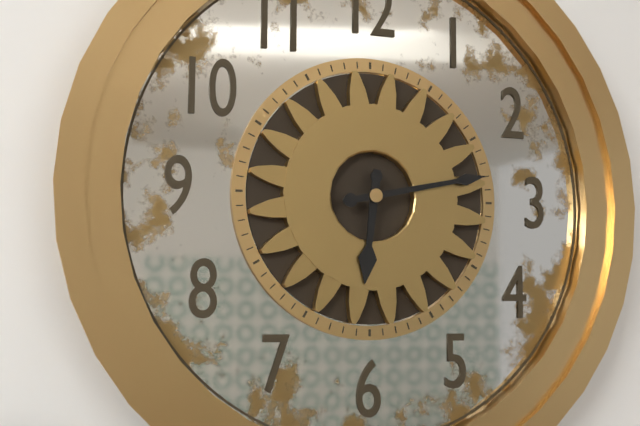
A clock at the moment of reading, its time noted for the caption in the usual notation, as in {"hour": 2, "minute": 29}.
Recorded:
{"hour": 6, "minute": 13}
